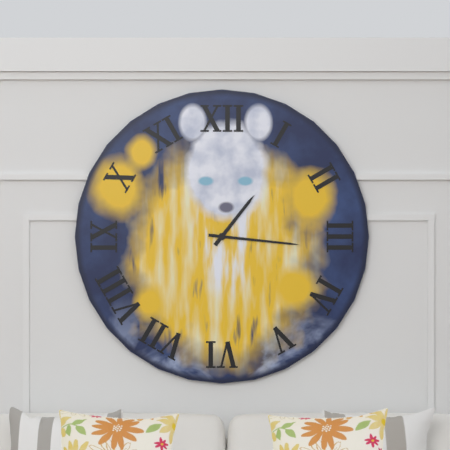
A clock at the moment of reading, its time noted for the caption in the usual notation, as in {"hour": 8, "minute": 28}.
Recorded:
{"hour": 1, "minute": 16}
